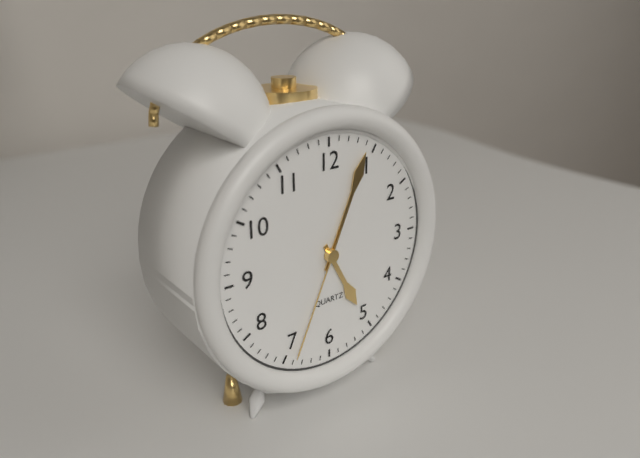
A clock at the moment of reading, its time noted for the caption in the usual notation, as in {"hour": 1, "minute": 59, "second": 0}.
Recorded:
{"hour": 5, "minute": 4, "second": 34}
